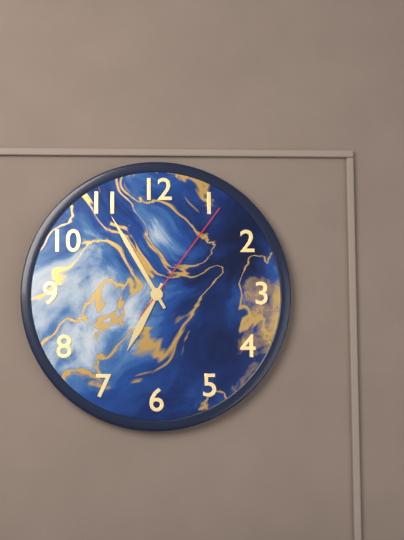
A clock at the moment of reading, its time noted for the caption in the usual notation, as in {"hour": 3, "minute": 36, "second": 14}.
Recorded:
{"hour": 6, "minute": 55, "second": 6}
